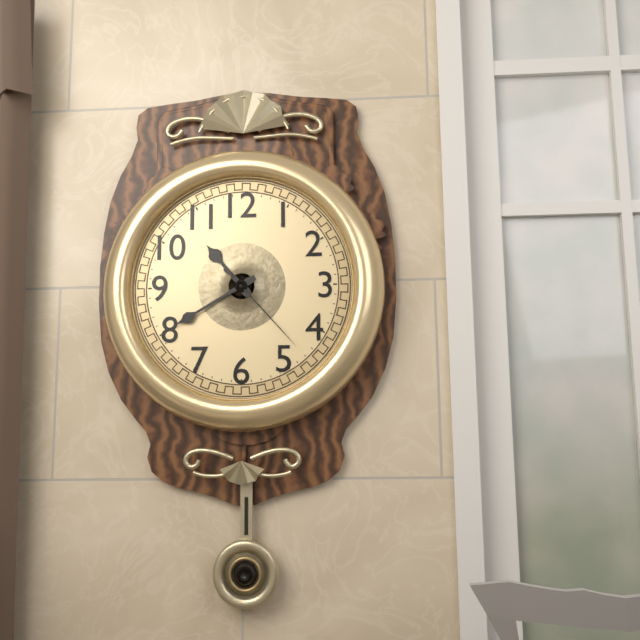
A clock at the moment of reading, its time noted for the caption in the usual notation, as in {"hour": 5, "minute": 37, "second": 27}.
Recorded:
{"hour": 10, "minute": 40, "second": 23}
